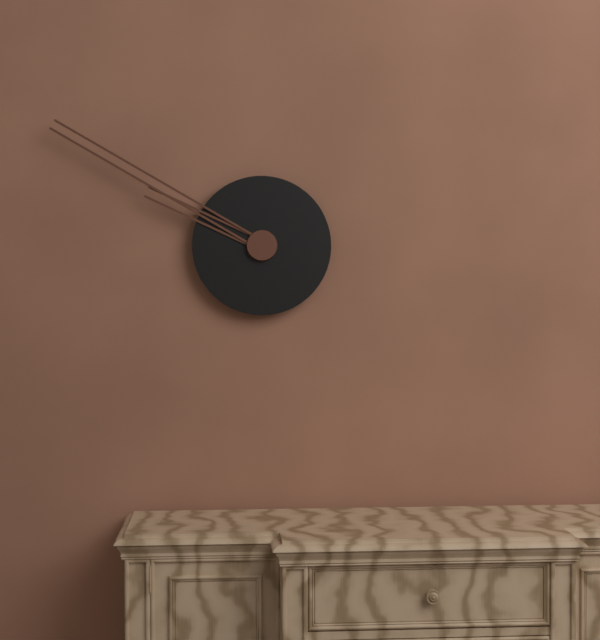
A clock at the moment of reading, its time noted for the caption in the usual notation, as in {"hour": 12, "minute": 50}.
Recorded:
{"hour": 9, "minute": 50}
